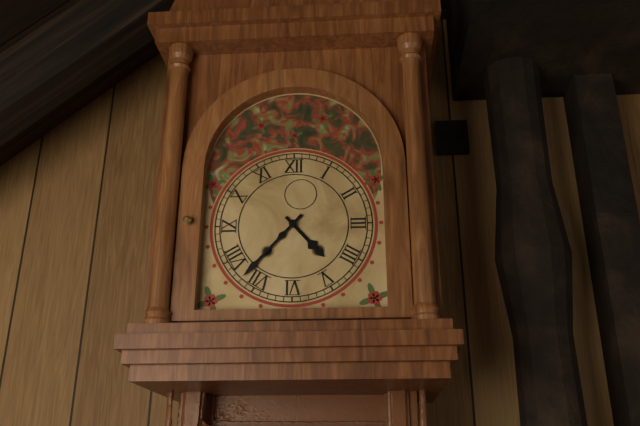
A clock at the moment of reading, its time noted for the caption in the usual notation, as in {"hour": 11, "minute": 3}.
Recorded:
{"hour": 4, "minute": 37}
